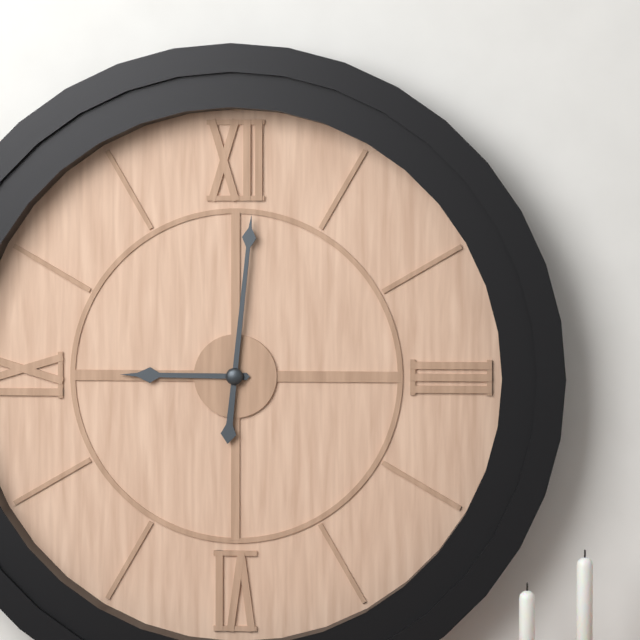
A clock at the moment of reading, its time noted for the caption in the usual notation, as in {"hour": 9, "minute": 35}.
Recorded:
{"hour": 9, "minute": 1}
